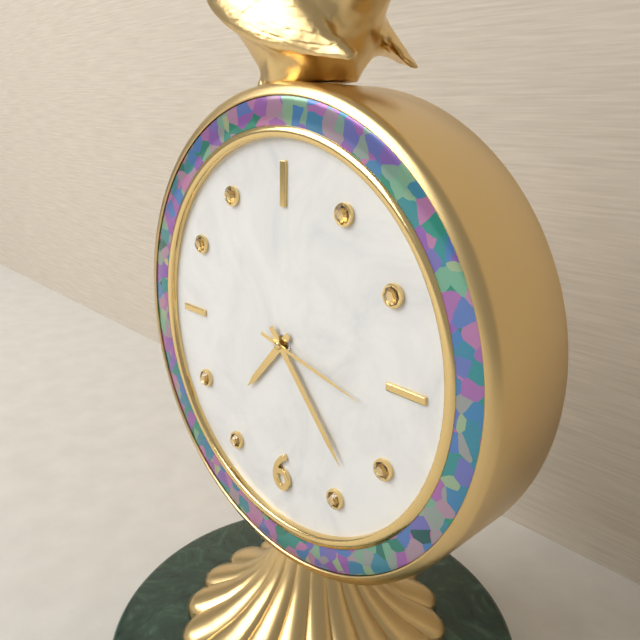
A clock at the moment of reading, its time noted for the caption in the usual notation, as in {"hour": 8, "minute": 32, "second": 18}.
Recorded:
{"hour": 7, "minute": 23, "second": 17}
